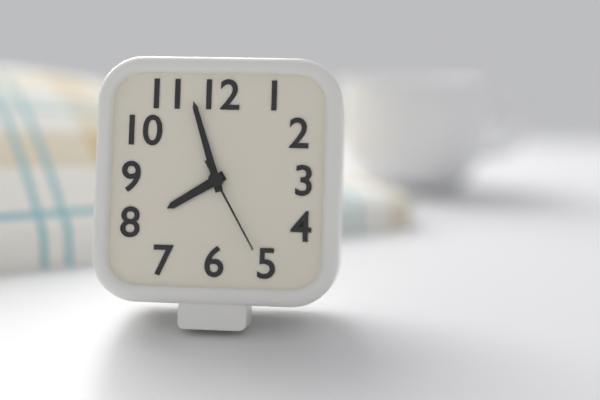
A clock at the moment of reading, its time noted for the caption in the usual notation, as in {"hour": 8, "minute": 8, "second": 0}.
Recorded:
{"hour": 7, "minute": 57, "second": 25}
